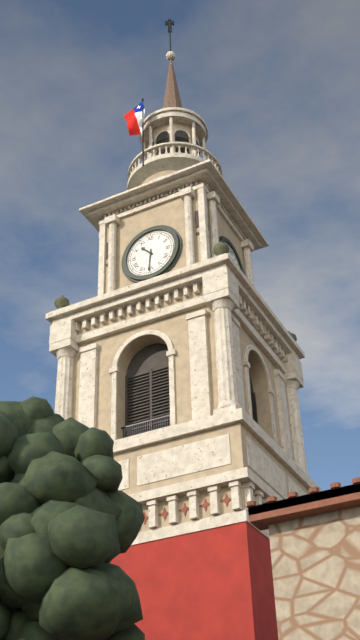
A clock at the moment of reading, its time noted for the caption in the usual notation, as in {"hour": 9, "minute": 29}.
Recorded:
{"hour": 10, "minute": 31}
